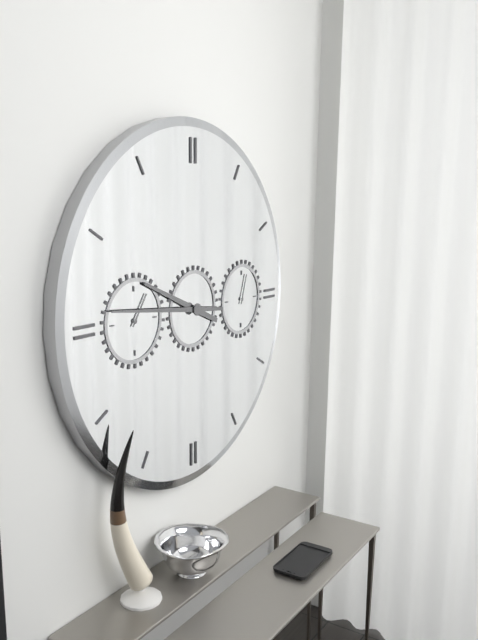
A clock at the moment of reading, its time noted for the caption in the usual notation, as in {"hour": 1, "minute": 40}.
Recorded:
{"hour": 9, "minute": 46}
